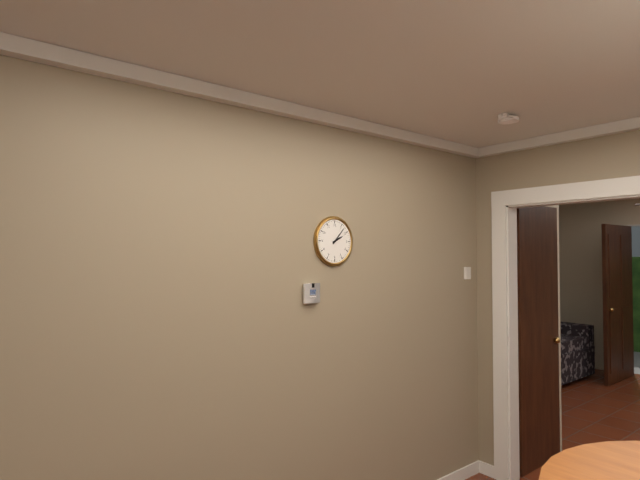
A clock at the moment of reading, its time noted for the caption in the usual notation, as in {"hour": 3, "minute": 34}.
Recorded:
{"hour": 2, "minute": 7}
